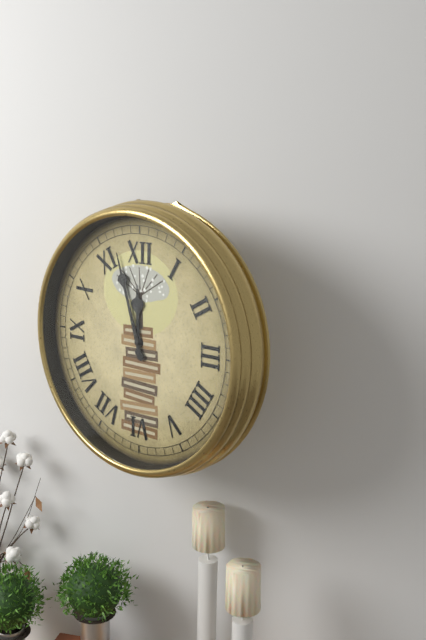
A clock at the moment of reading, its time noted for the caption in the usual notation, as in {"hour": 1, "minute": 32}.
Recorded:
{"hour": 11, "minute": 57}
